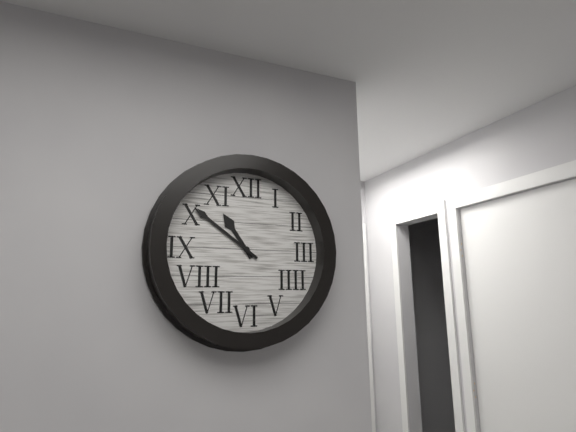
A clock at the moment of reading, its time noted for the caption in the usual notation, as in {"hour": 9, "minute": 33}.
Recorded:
{"hour": 10, "minute": 51}
